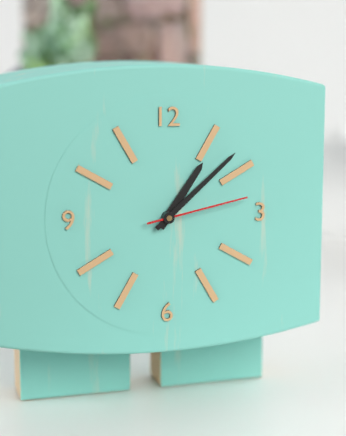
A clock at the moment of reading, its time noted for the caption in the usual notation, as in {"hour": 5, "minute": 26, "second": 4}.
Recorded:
{"hour": 1, "minute": 8, "second": 13}
